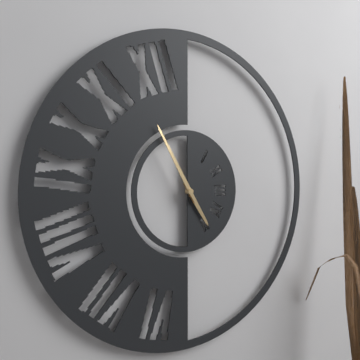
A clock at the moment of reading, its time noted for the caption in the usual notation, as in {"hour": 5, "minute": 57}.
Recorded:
{"hour": 4, "minute": 55}
